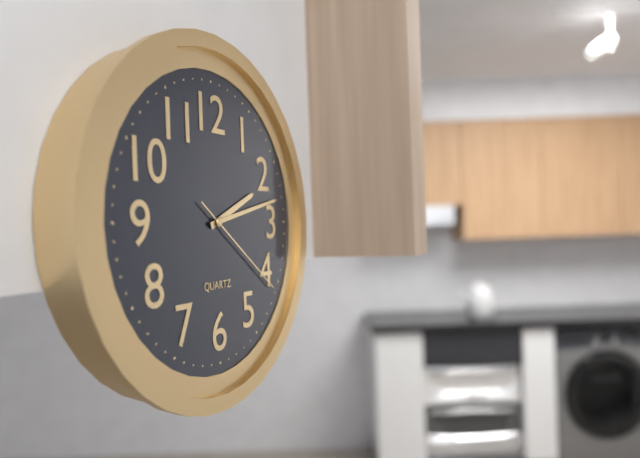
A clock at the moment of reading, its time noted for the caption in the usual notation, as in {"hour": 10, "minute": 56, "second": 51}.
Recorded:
{"hour": 2, "minute": 13, "second": 21}
